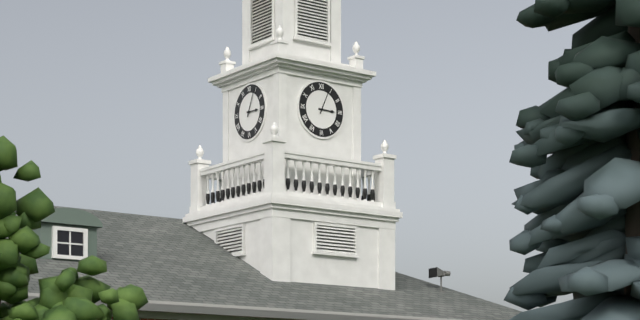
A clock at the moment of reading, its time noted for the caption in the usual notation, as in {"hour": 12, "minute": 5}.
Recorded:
{"hour": 3, "minute": 4}
